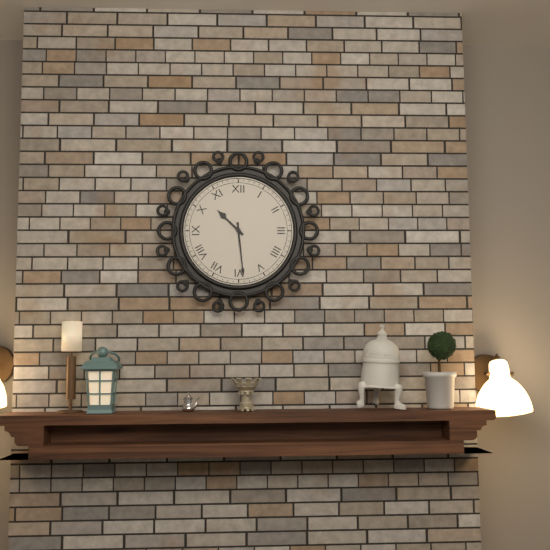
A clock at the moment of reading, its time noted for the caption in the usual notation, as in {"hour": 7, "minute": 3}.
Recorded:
{"hour": 10, "minute": 29}
